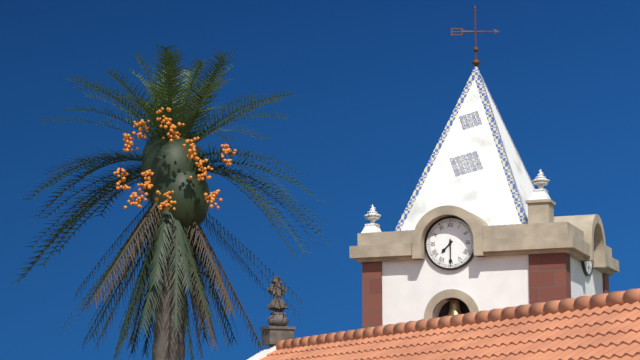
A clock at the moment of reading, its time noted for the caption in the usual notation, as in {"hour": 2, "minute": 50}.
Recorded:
{"hour": 7, "minute": 30}
